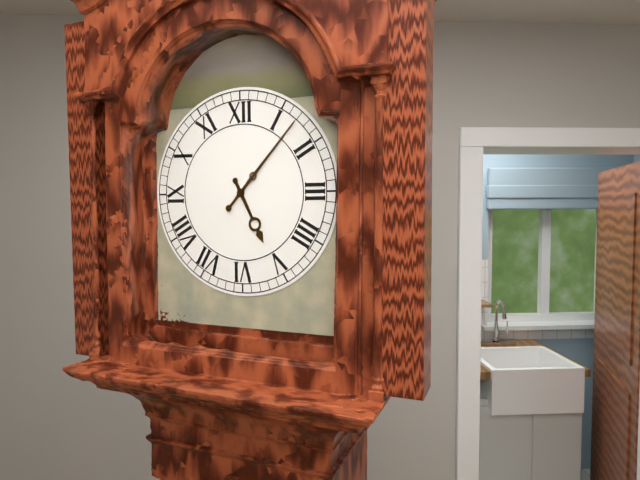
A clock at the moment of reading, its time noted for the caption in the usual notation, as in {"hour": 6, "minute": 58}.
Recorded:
{"hour": 5, "minute": 7}
